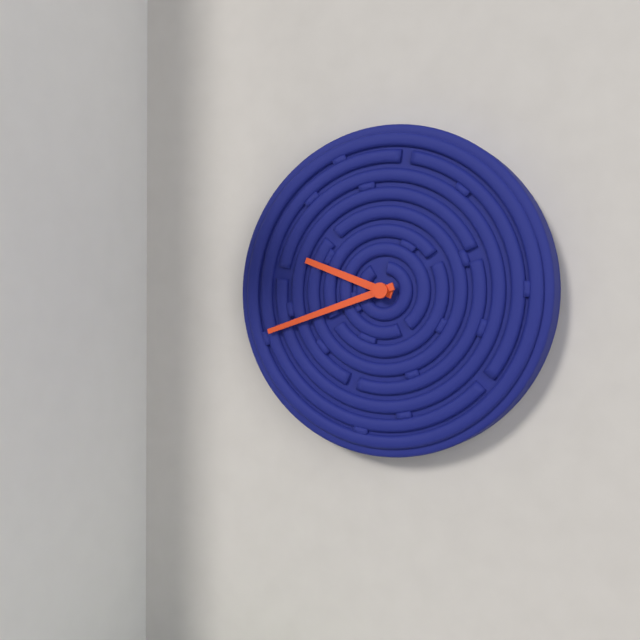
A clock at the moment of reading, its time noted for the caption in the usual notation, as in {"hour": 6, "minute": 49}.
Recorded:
{"hour": 9, "minute": 42}
